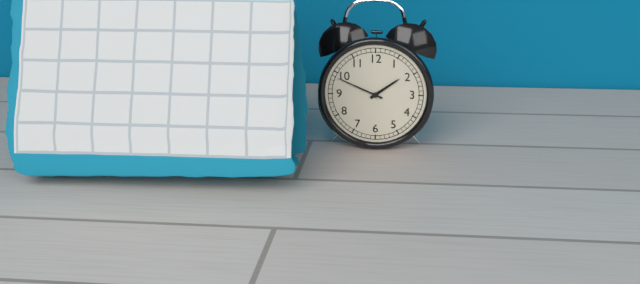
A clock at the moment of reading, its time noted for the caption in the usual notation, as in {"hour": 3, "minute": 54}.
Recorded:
{"hour": 1, "minute": 49}
